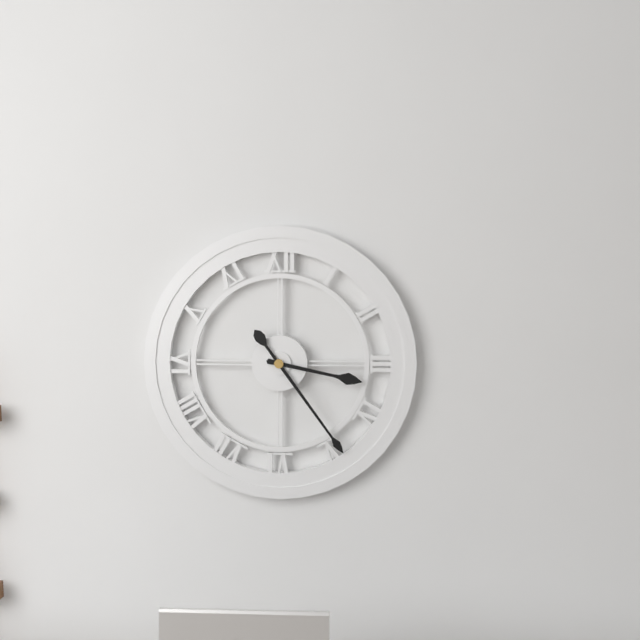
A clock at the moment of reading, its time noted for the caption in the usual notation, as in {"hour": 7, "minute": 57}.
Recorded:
{"hour": 3, "minute": 24}
